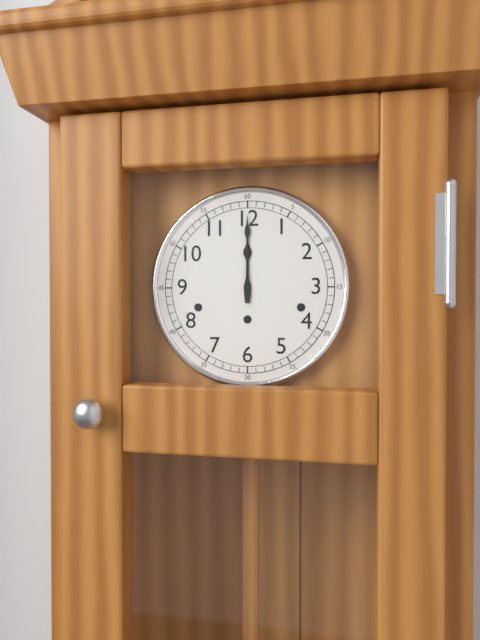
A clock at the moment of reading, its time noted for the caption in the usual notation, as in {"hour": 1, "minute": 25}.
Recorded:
{"hour": 12, "minute": 0}
